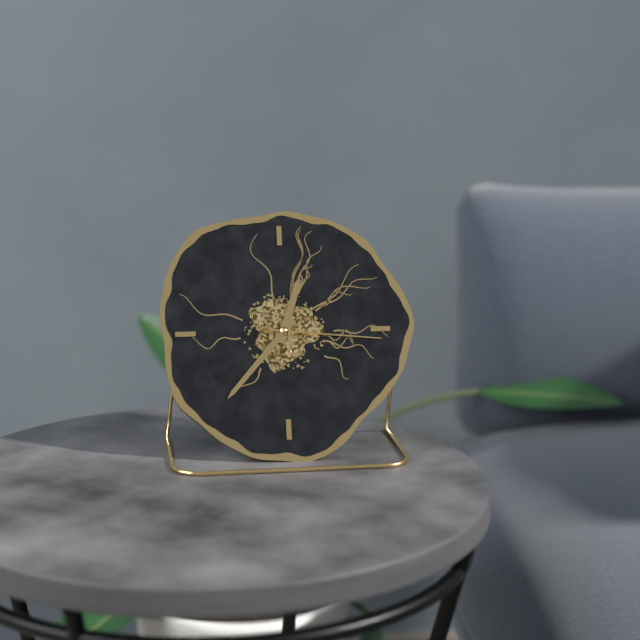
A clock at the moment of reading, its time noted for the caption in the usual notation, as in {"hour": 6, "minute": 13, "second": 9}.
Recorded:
{"hour": 12, "minute": 37, "second": 16}
